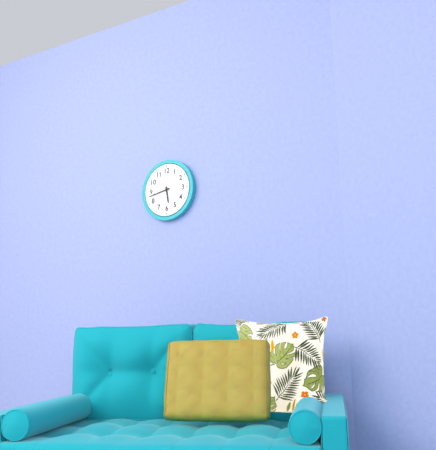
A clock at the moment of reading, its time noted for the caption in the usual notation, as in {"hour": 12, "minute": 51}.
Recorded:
{"hour": 5, "minute": 43}
